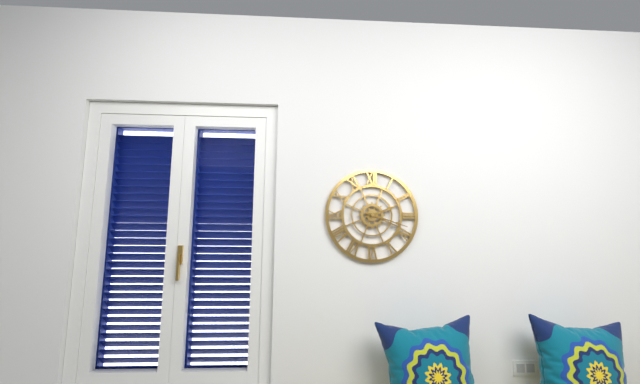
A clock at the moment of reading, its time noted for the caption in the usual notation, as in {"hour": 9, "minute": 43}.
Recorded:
{"hour": 2, "minute": 18}
